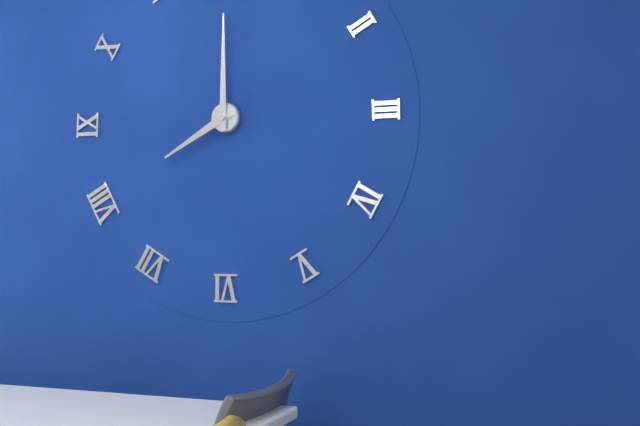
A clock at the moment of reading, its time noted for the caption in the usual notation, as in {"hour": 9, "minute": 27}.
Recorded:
{"hour": 8, "minute": 0}
